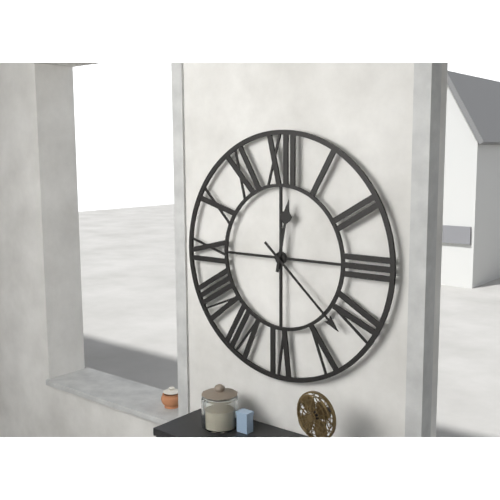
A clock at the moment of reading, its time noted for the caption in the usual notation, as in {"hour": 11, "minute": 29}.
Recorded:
{"hour": 12, "minute": 22}
